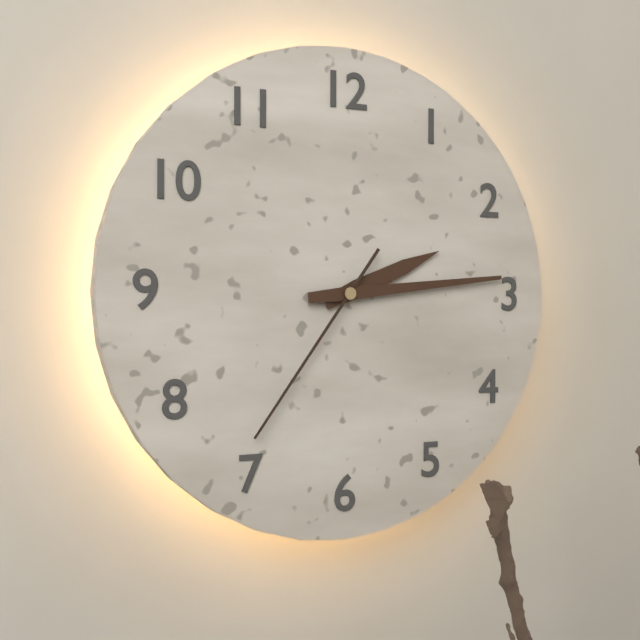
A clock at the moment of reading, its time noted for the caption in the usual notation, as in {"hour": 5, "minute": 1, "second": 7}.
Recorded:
{"hour": 2, "minute": 14, "second": 36}
